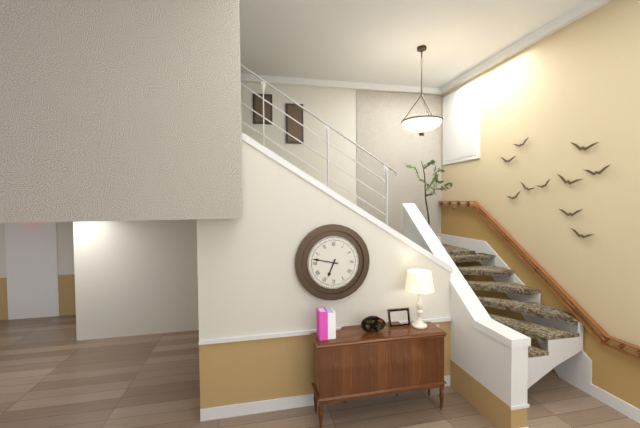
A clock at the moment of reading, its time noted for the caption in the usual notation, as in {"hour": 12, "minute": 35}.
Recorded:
{"hour": 6, "minute": 47}
